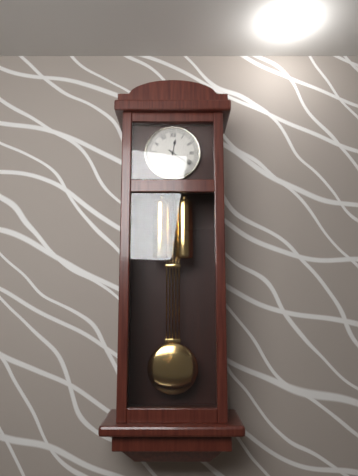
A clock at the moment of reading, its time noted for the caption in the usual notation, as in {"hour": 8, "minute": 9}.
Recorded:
{"hour": 12, "minute": 21}
